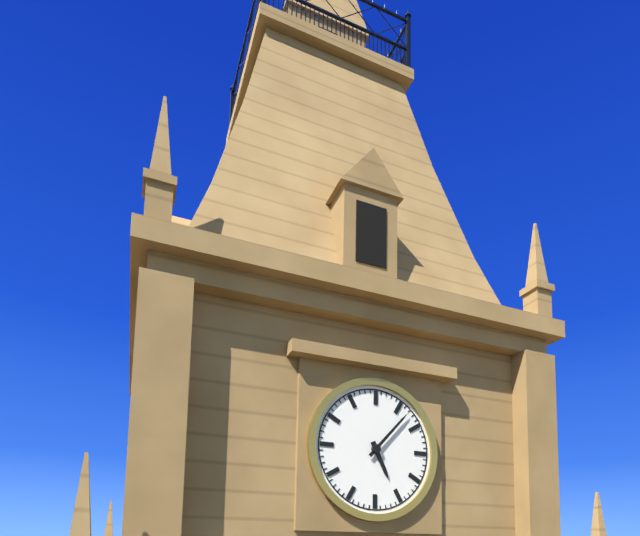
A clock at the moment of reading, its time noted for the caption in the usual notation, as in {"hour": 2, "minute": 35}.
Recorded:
{"hour": 5, "minute": 7}
